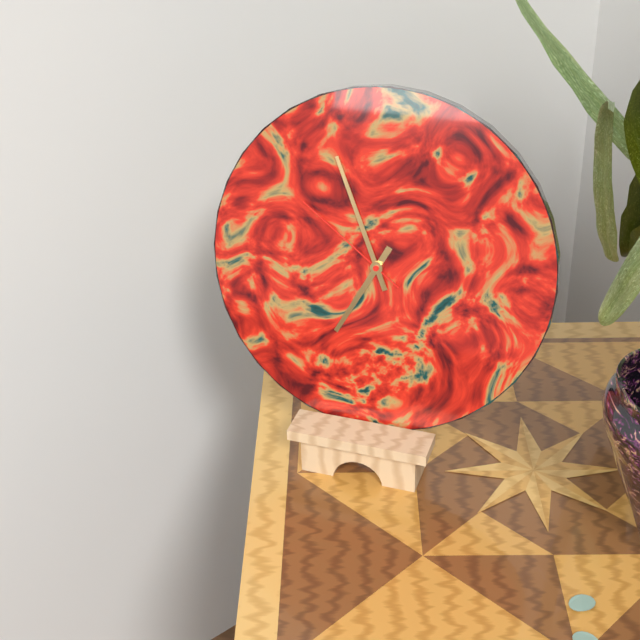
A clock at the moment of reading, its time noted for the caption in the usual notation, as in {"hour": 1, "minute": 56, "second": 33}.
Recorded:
{"hour": 6, "minute": 56, "second": 51}
